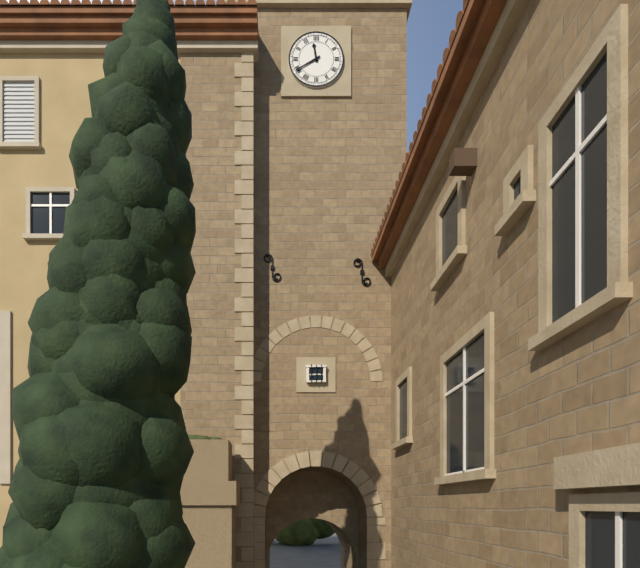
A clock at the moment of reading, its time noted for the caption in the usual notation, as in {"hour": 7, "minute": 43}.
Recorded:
{"hour": 11, "minute": 40}
